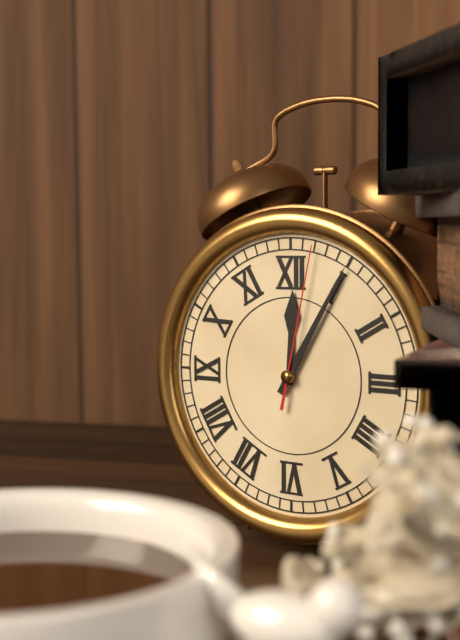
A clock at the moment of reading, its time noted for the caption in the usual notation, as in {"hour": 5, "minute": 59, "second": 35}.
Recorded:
{"hour": 12, "minute": 5, "second": 2}
